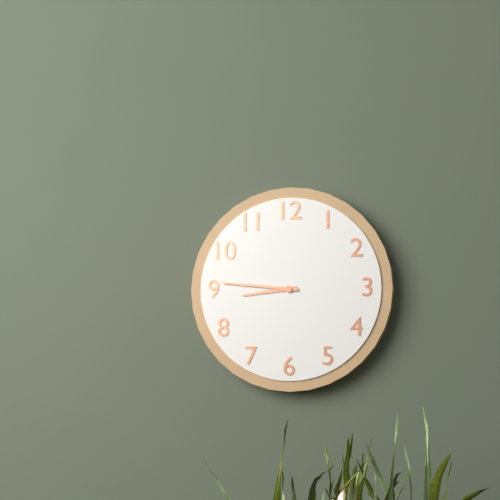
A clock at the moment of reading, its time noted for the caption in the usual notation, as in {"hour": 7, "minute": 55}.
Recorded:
{"hour": 8, "minute": 46}
